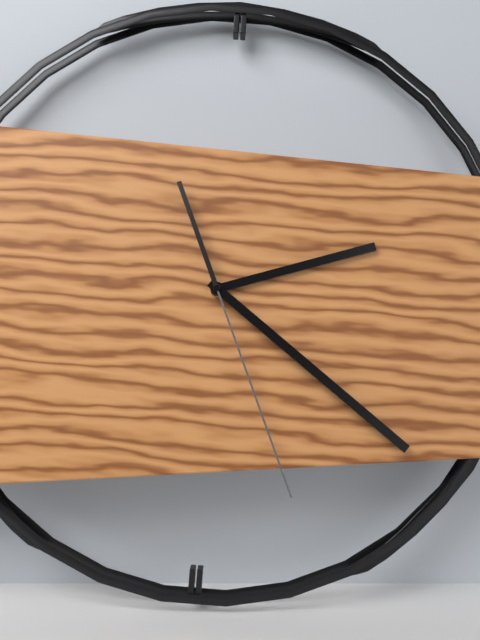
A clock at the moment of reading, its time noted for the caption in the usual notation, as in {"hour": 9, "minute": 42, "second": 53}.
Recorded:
{"hour": 2, "minute": 21, "second": 26}
